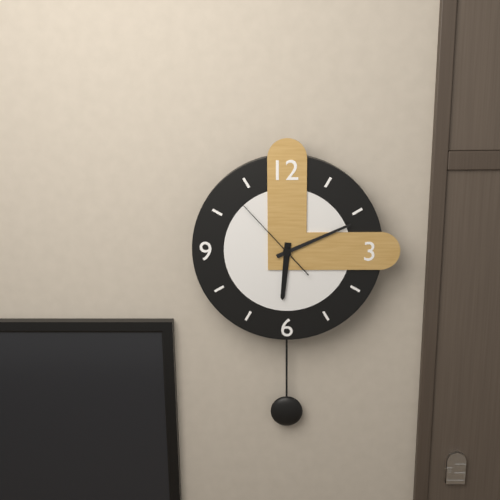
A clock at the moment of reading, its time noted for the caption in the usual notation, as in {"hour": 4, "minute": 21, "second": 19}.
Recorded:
{"hour": 6, "minute": 11, "second": 53}
